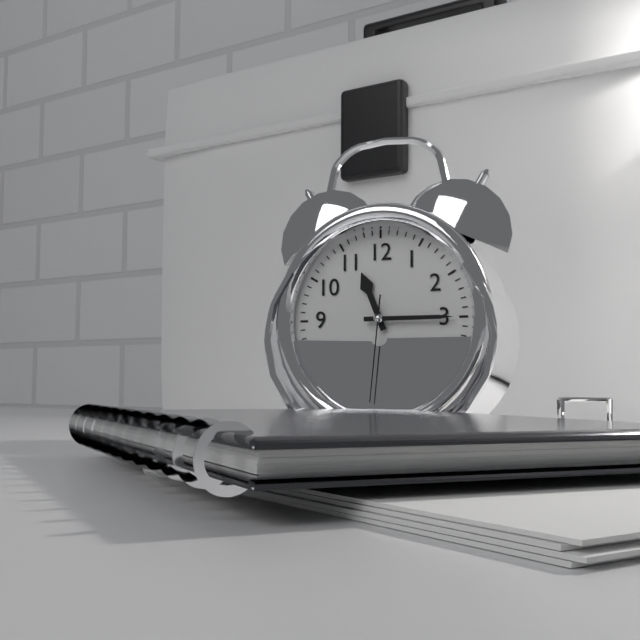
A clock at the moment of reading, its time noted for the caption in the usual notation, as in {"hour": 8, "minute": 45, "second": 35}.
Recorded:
{"hour": 11, "minute": 15, "second": 31}
